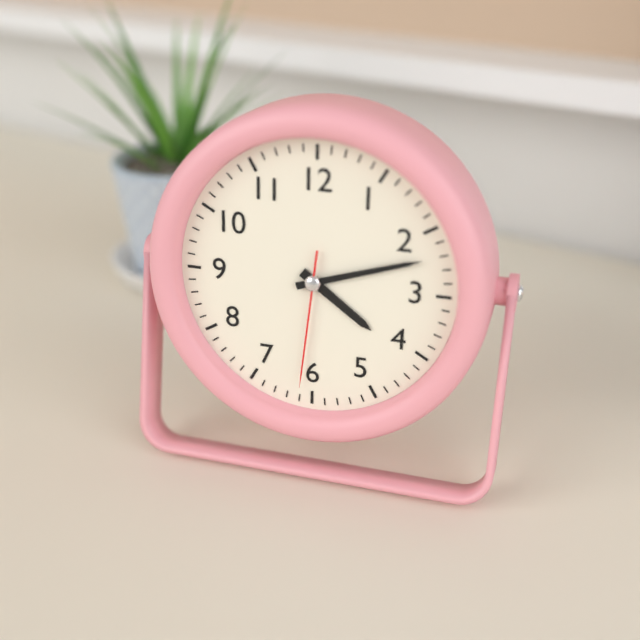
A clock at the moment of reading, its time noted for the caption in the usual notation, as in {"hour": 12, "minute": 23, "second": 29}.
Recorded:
{"hour": 4, "minute": 12, "second": 31}
